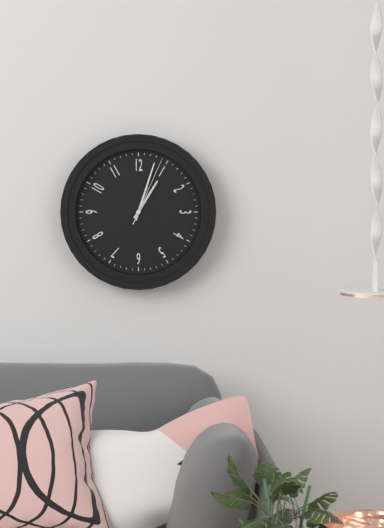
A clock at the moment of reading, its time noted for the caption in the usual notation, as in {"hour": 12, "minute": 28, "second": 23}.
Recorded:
{"hour": 1, "minute": 3, "second": 4}
